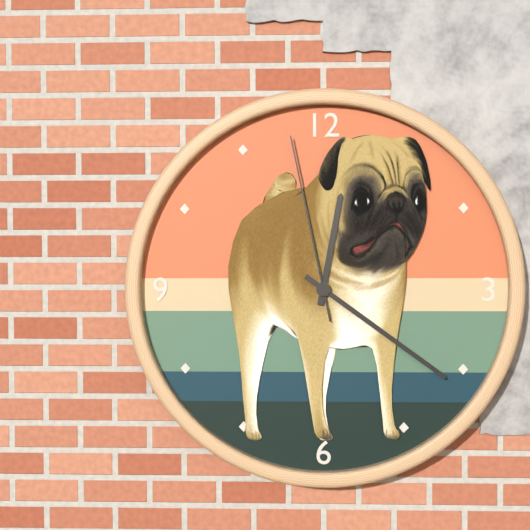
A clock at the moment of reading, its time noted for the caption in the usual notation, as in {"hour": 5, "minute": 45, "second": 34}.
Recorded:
{"hour": 12, "minute": 21, "second": 58}
